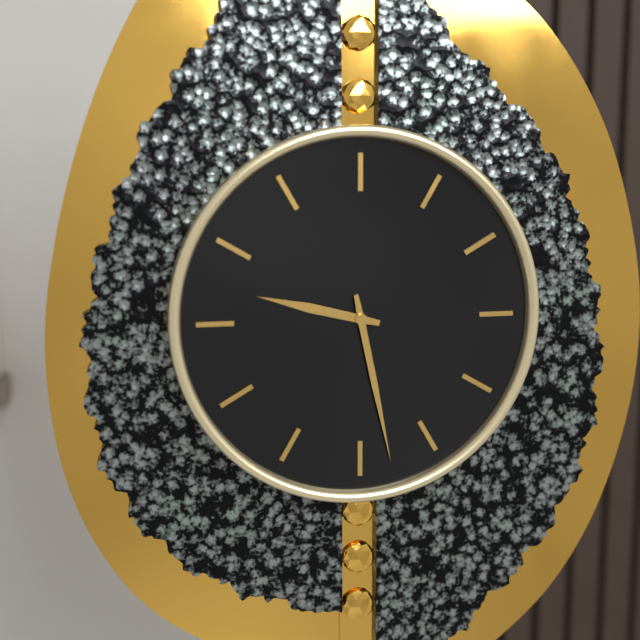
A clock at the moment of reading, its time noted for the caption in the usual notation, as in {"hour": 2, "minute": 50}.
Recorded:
{"hour": 9, "minute": 28}
